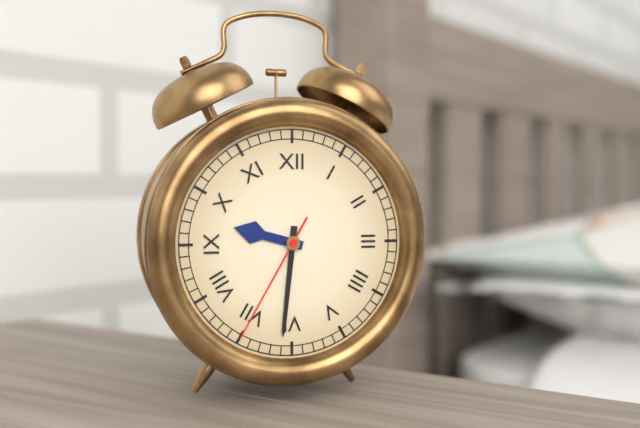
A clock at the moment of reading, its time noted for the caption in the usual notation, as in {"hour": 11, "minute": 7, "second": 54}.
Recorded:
{"hour": 9, "minute": 31, "second": 35}
